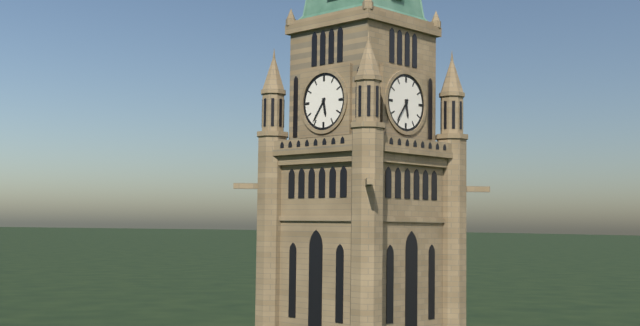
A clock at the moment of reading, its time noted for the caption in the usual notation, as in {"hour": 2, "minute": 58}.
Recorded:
{"hour": 5, "minute": 36}
